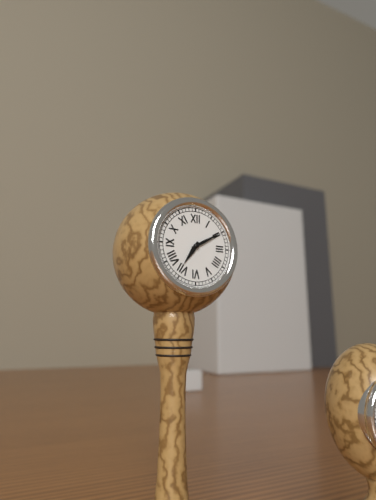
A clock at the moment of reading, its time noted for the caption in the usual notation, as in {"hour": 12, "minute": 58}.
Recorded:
{"hour": 7, "minute": 10}
